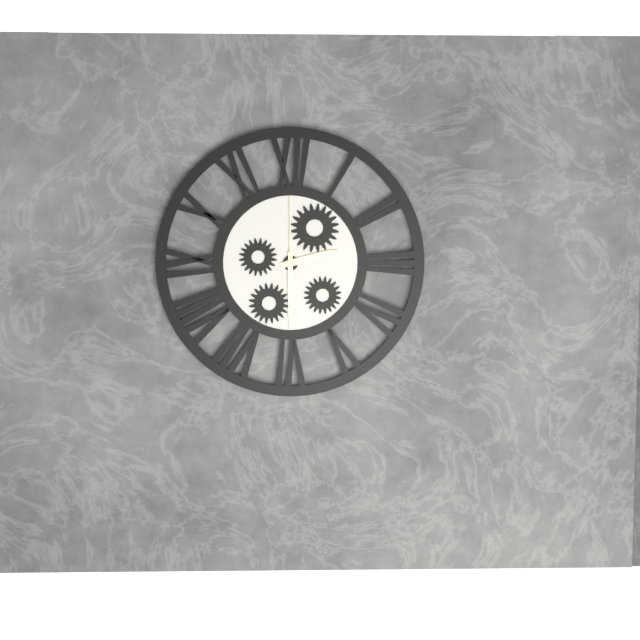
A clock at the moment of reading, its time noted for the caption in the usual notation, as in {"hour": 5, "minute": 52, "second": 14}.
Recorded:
{"hour": 2, "minute": 30, "second": 0}
